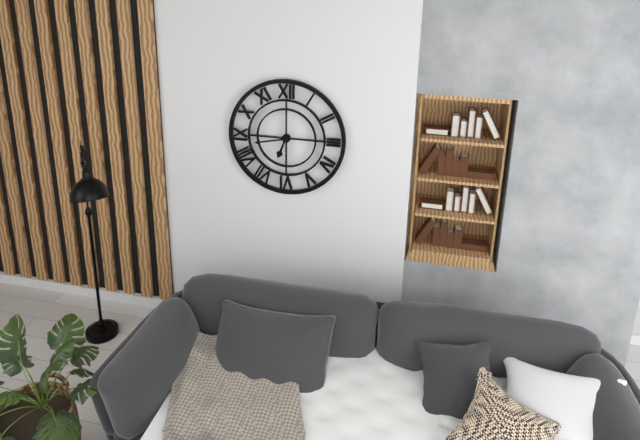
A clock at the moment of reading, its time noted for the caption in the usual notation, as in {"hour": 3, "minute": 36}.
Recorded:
{"hour": 6, "minute": 43}
